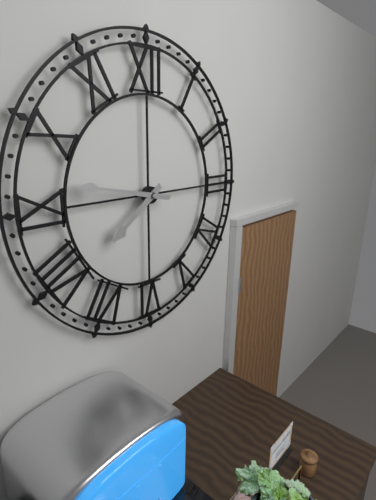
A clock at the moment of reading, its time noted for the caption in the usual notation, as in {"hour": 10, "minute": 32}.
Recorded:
{"hour": 7, "minute": 47}
